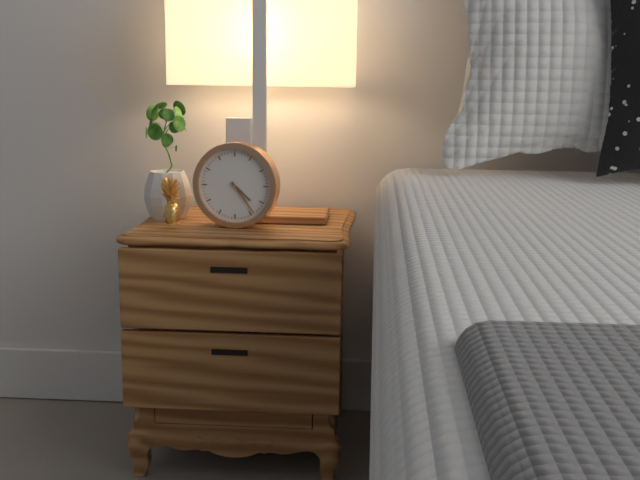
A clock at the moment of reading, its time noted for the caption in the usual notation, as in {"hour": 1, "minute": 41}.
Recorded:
{"hour": 4, "minute": 24}
